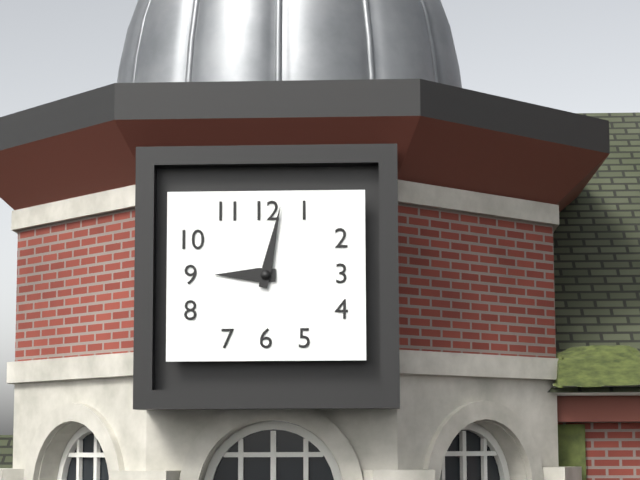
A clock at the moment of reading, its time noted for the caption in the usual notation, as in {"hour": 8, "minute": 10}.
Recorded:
{"hour": 9, "minute": 2}
